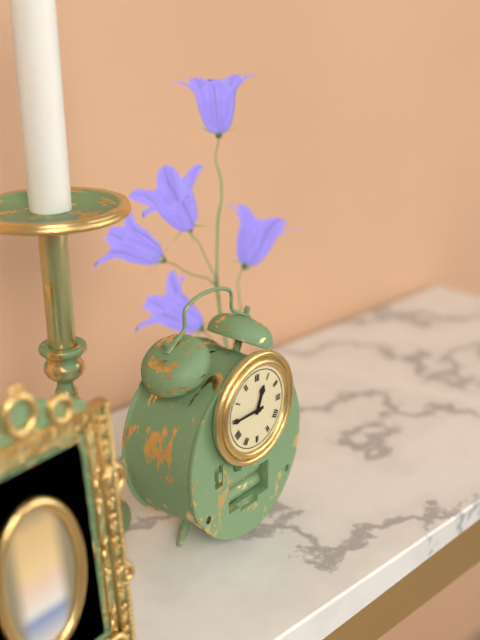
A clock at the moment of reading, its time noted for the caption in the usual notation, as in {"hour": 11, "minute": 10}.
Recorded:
{"hour": 12, "minute": 45}
